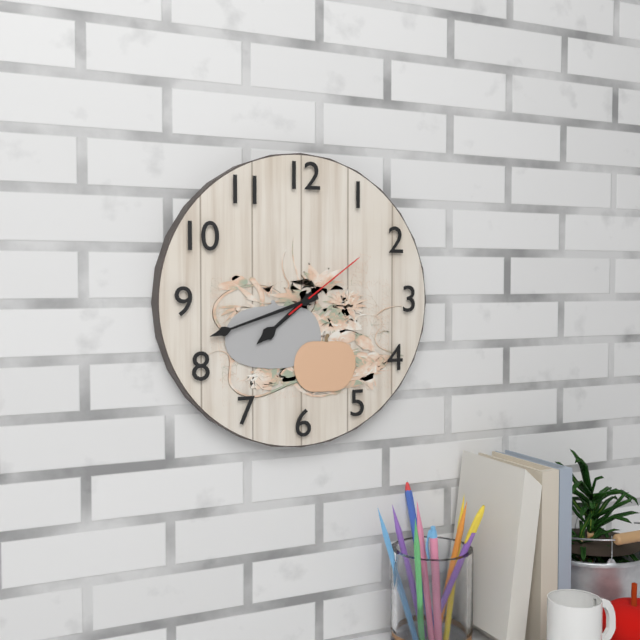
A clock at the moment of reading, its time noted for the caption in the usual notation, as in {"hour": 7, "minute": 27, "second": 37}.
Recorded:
{"hour": 7, "minute": 42, "second": 9}
